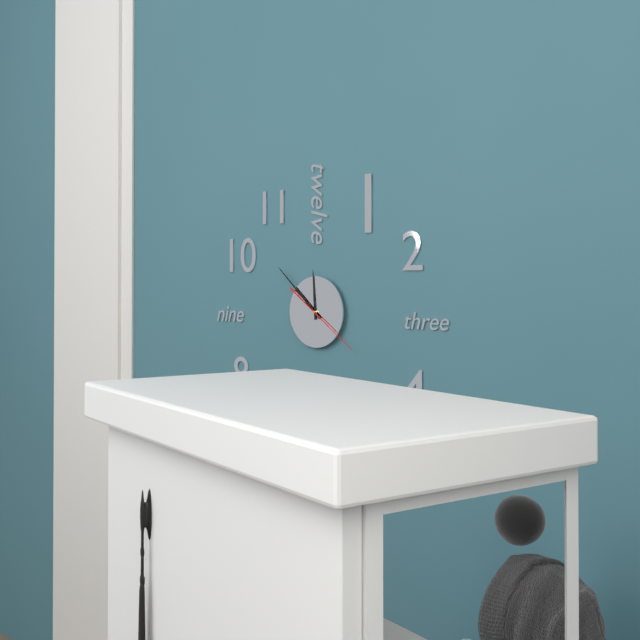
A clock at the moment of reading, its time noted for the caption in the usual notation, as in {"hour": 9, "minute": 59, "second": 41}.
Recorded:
{"hour": 11, "minute": 52, "second": 21}
